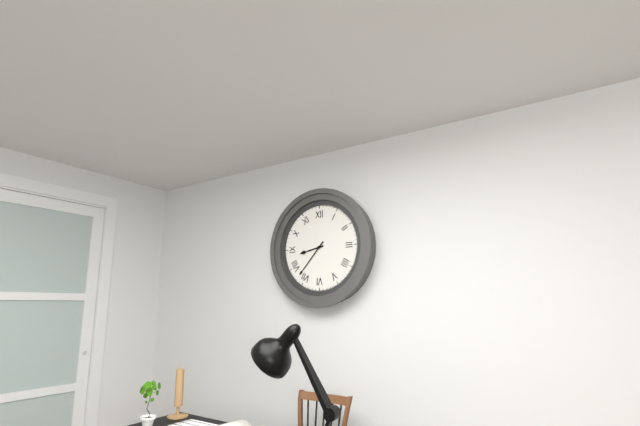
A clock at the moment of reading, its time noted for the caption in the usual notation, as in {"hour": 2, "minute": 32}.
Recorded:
{"hour": 8, "minute": 37}
